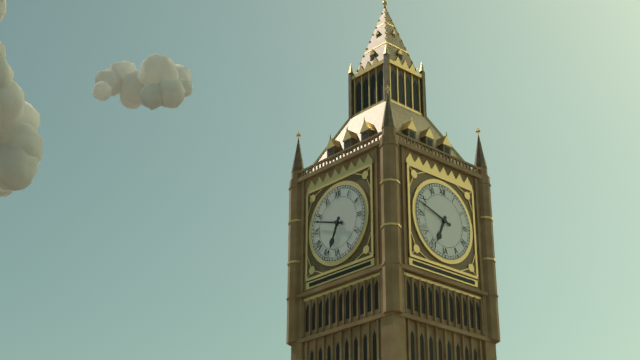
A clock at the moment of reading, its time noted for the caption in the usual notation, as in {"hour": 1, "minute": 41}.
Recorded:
{"hour": 6, "minute": 48}
